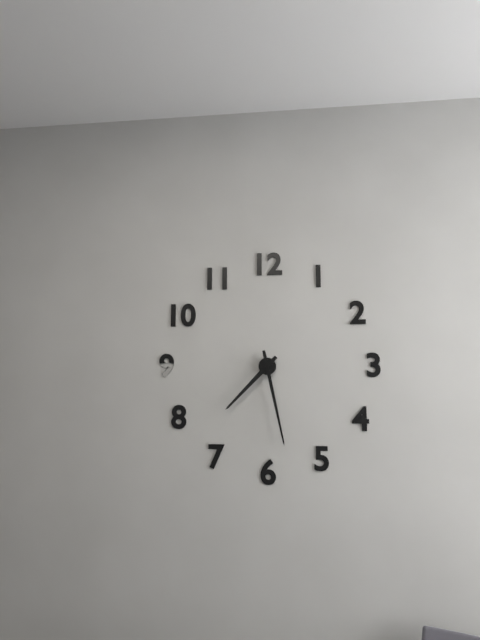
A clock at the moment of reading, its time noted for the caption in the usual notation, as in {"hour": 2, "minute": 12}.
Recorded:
{"hour": 7, "minute": 28}
